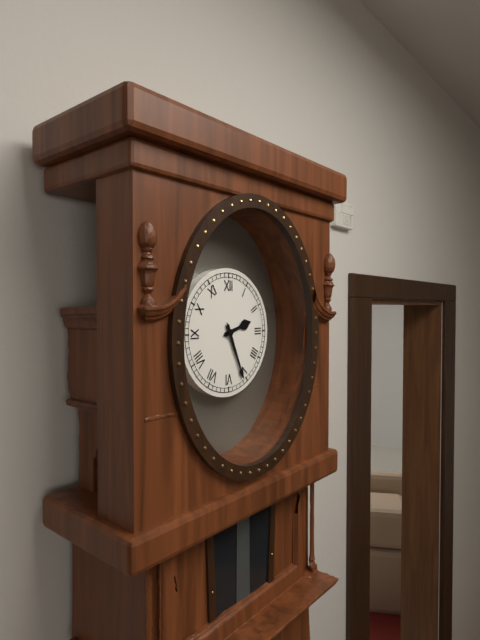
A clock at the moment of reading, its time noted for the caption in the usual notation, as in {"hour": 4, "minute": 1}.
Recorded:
{"hour": 2, "minute": 26}
